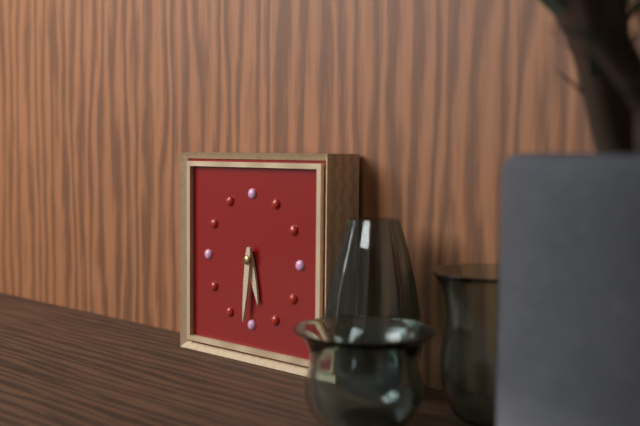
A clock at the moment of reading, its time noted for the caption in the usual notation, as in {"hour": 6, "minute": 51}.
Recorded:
{"hour": 5, "minute": 31}
